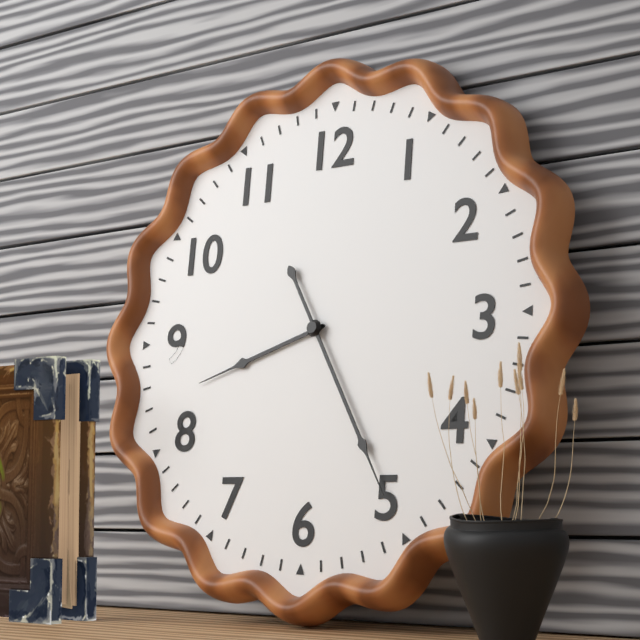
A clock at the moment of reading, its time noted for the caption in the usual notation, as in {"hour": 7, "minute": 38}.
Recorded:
{"hour": 8, "minute": 25}
